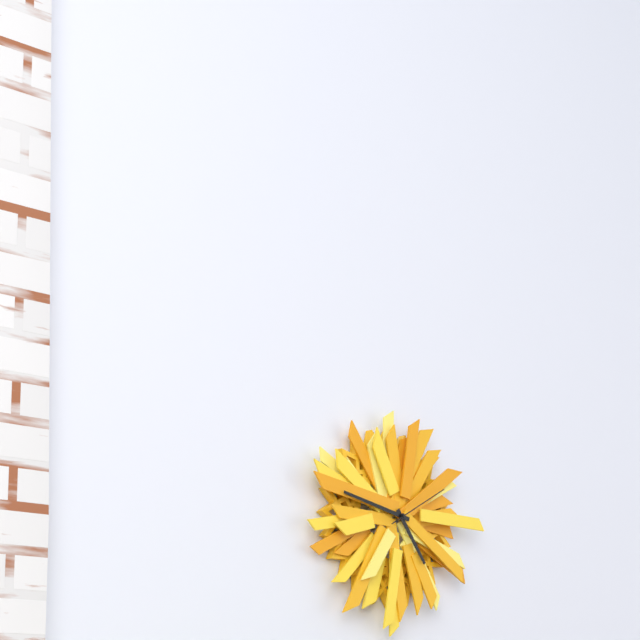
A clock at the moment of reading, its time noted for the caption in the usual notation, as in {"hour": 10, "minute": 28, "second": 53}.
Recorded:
{"hour": 4, "minute": 47, "second": 10}
